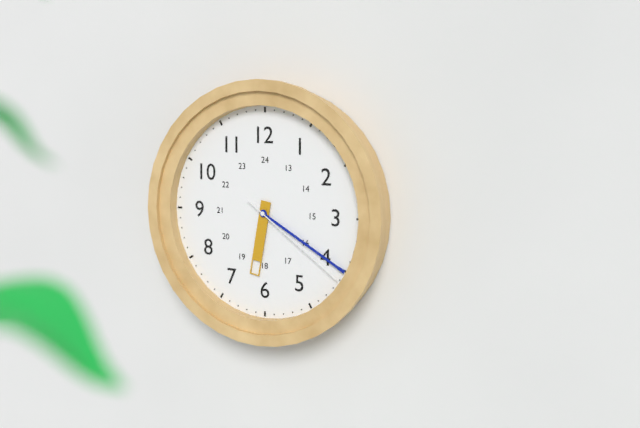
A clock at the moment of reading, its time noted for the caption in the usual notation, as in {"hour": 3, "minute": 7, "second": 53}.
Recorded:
{"hour": 6, "minute": 20, "second": 21}
